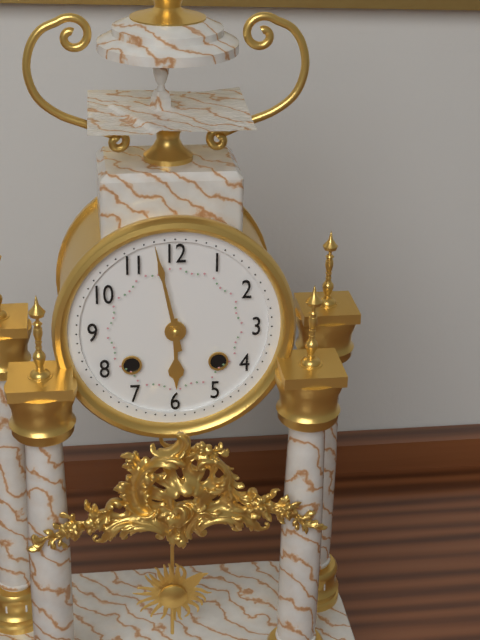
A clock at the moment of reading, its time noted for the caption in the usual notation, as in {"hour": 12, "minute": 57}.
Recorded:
{"hour": 5, "minute": 58}
